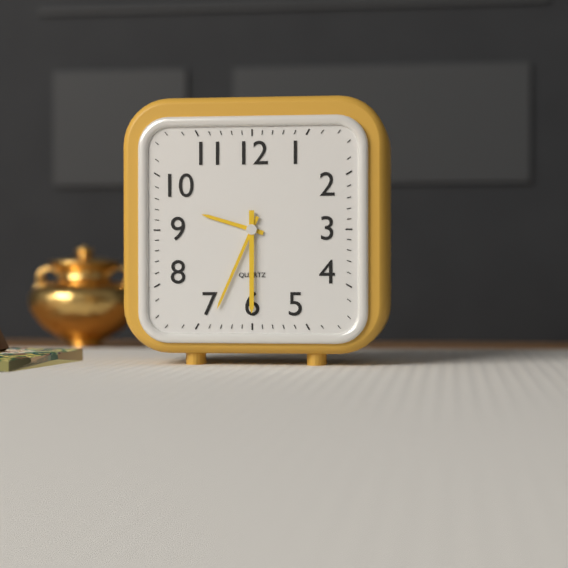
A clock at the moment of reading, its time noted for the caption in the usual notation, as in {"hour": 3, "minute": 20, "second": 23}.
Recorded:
{"hour": 9, "minute": 34, "second": 30}
